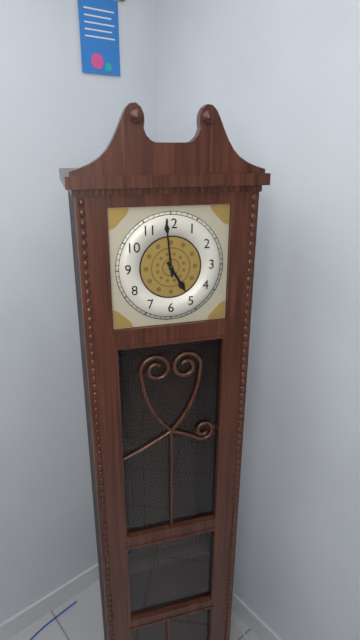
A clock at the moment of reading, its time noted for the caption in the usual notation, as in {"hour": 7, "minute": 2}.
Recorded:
{"hour": 4, "minute": 59}
